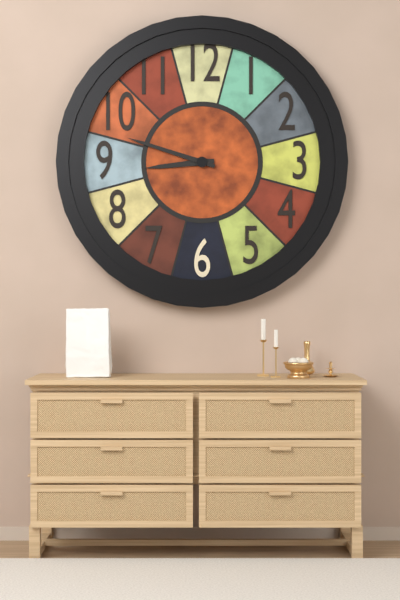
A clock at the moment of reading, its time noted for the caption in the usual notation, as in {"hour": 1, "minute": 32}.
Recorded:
{"hour": 8, "minute": 48}
